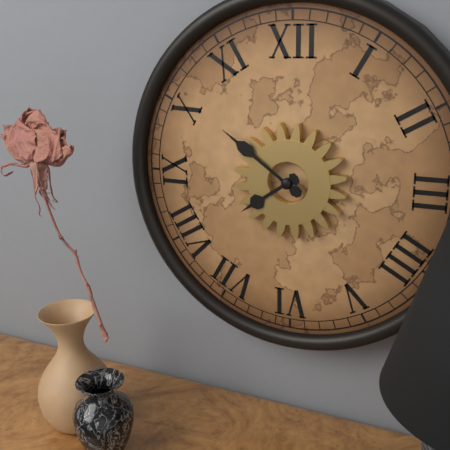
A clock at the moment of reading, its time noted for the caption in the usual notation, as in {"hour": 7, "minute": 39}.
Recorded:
{"hour": 7, "minute": 51}
